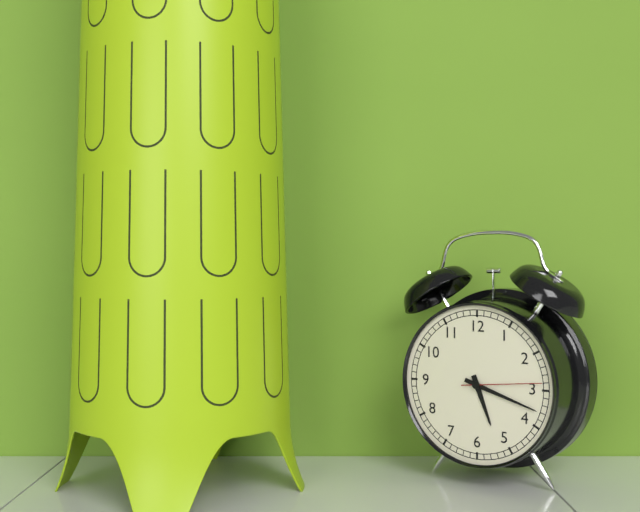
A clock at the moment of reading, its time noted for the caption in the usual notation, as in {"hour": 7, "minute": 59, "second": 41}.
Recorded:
{"hour": 5, "minute": 18, "second": 14}
